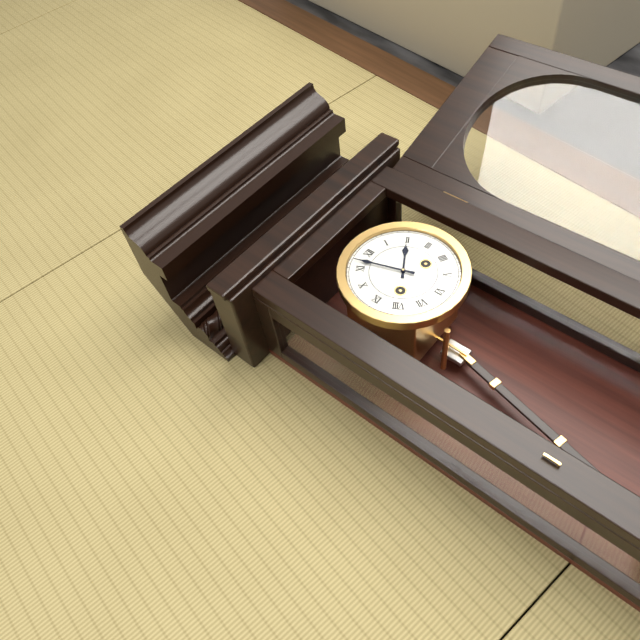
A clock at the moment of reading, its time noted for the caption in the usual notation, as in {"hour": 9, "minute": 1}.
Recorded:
{"hour": 1, "minute": 57}
